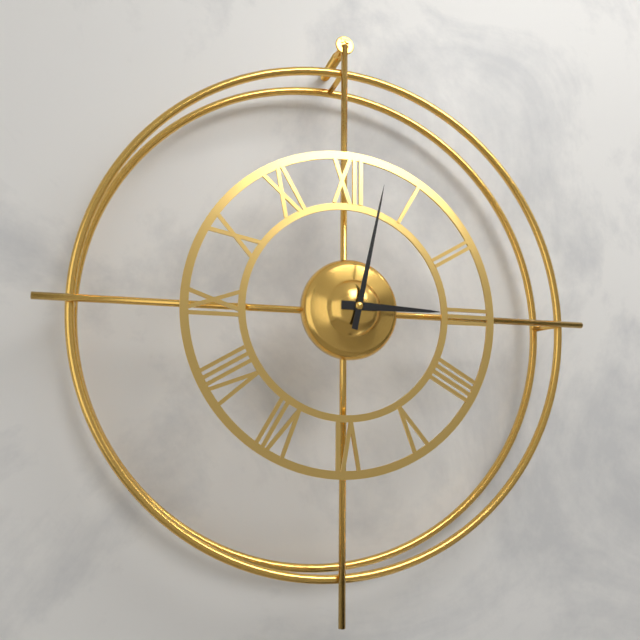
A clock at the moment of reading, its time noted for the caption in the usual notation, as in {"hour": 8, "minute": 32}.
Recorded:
{"hour": 3, "minute": 2}
